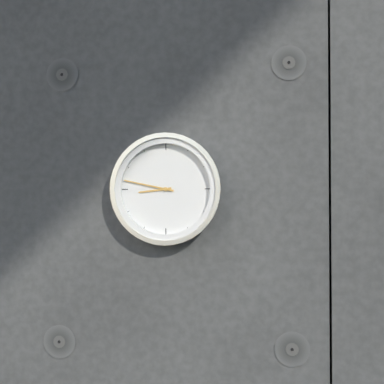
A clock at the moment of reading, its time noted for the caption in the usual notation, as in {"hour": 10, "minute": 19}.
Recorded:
{"hour": 8, "minute": 47}
